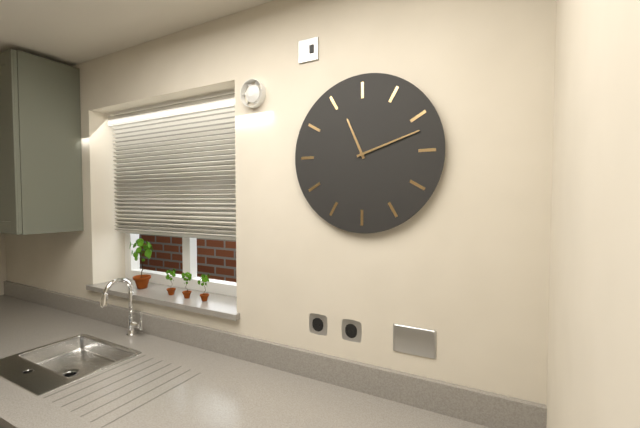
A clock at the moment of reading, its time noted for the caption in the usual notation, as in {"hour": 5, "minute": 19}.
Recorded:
{"hour": 11, "minute": 12}
